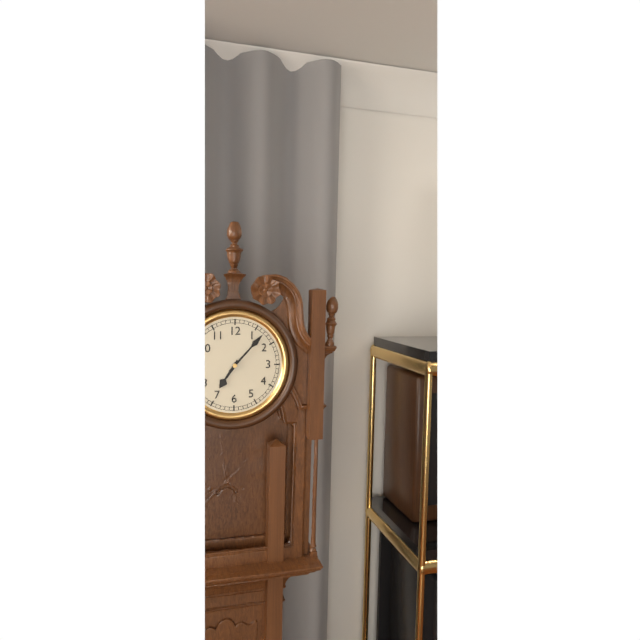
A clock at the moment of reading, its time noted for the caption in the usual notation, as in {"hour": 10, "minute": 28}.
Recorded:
{"hour": 7, "minute": 7}
